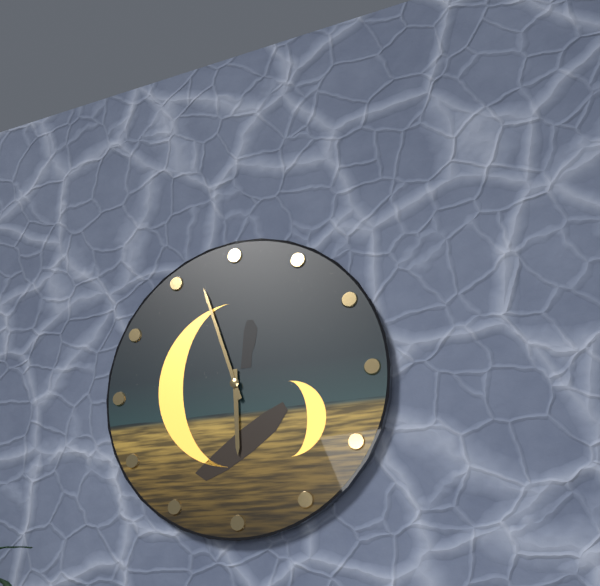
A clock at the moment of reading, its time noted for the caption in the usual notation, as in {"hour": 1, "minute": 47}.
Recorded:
{"hour": 5, "minute": 57}
